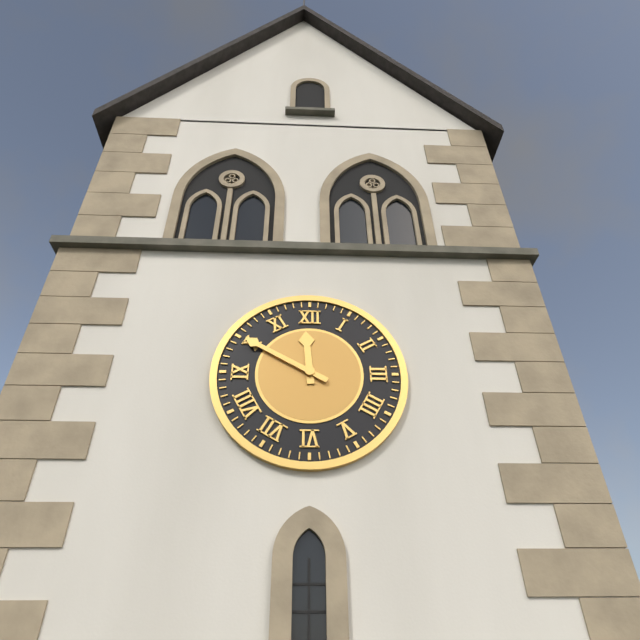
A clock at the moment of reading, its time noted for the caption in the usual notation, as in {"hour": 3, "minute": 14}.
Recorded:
{"hour": 11, "minute": 50}
